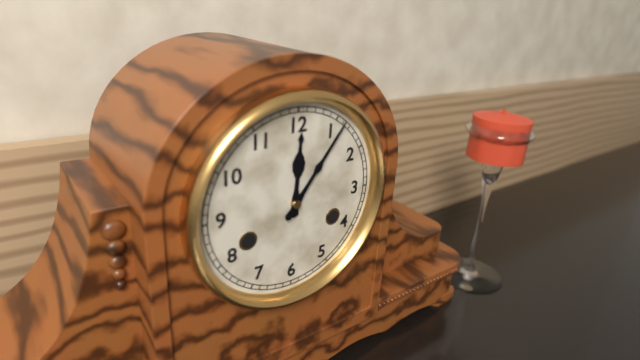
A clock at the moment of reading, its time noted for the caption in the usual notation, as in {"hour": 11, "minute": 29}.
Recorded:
{"hour": 12, "minute": 6}
